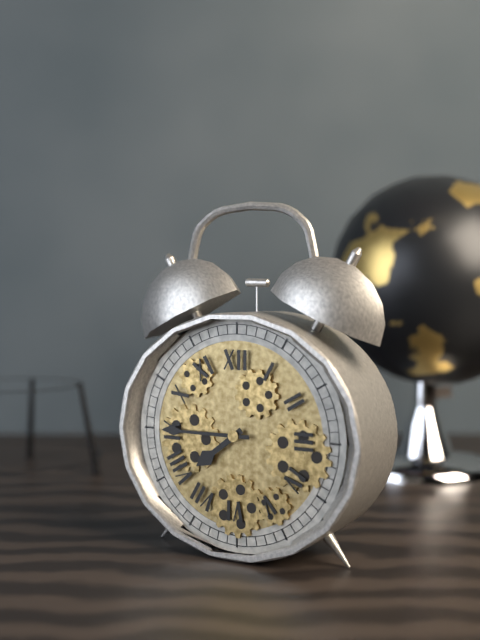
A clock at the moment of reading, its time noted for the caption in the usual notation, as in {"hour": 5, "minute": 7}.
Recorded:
{"hour": 7, "minute": 45}
